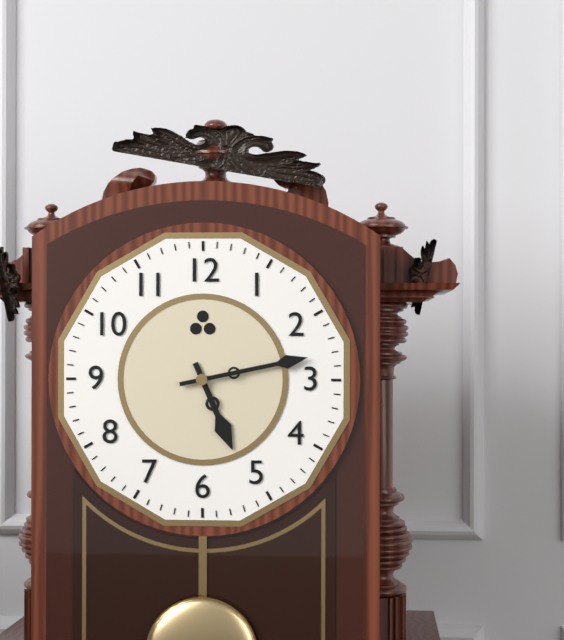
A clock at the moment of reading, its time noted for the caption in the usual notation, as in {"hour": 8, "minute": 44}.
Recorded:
{"hour": 5, "minute": 13}
